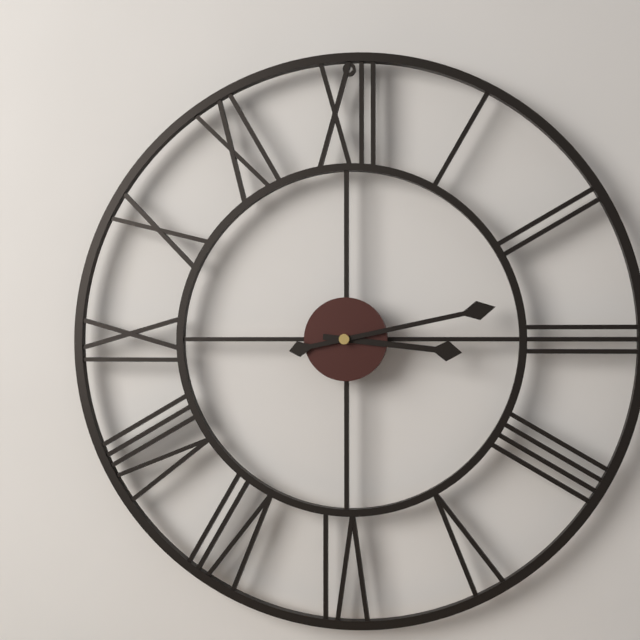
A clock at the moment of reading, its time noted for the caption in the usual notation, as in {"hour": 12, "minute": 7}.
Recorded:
{"hour": 3, "minute": 13}
